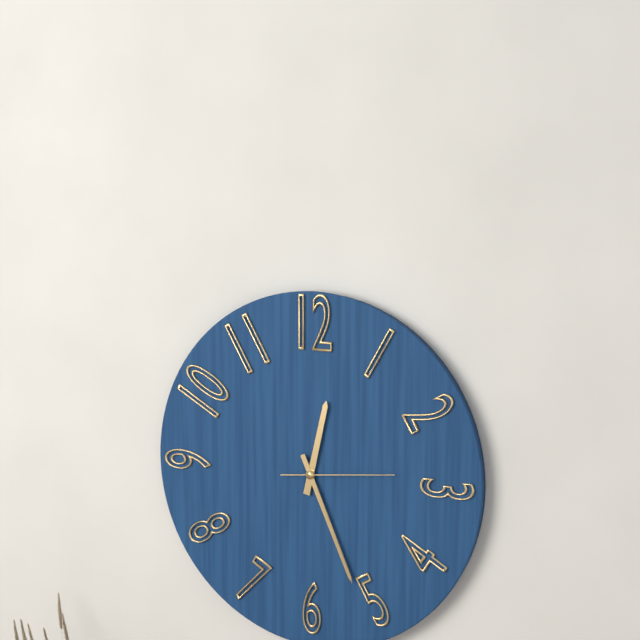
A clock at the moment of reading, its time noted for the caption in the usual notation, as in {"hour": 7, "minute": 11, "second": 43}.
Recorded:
{"hour": 12, "minute": 26, "second": 14}
